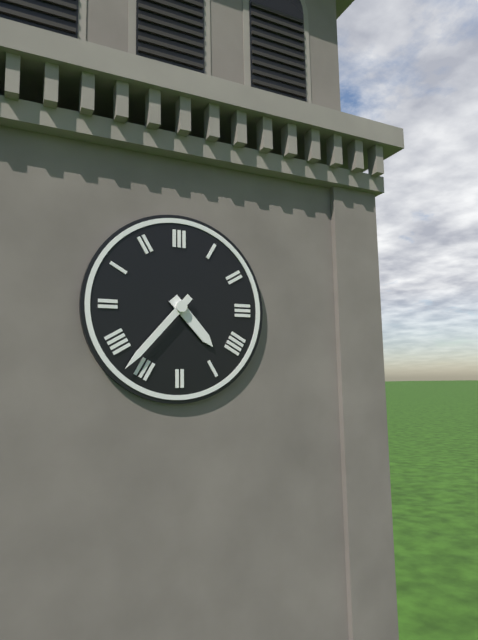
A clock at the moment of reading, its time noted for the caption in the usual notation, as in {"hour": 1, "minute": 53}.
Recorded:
{"hour": 4, "minute": 37}
